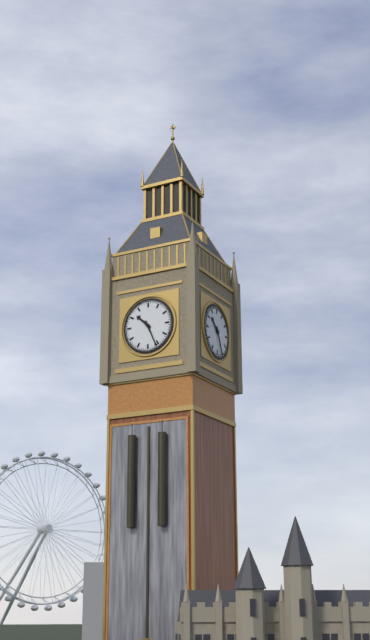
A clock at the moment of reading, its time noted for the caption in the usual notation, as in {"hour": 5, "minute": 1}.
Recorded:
{"hour": 10, "minute": 26}
